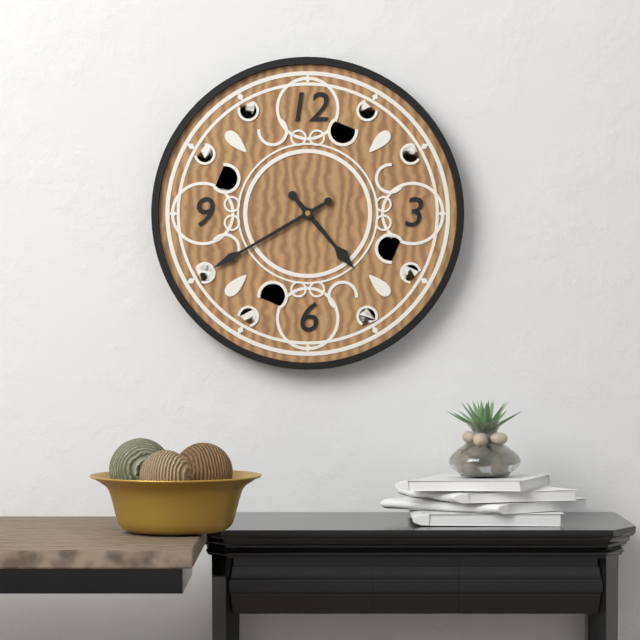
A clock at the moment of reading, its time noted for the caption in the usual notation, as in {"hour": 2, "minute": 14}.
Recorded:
{"hour": 4, "minute": 40}
